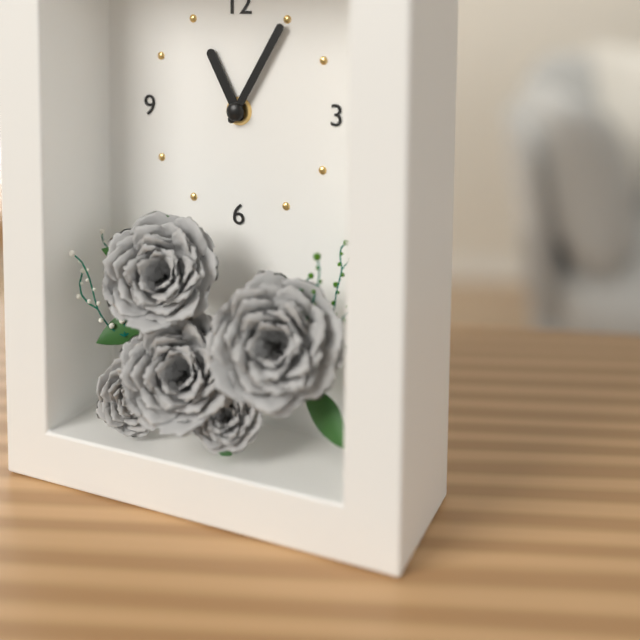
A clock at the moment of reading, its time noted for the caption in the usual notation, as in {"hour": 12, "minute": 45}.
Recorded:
{"hour": 11, "minute": 5}
